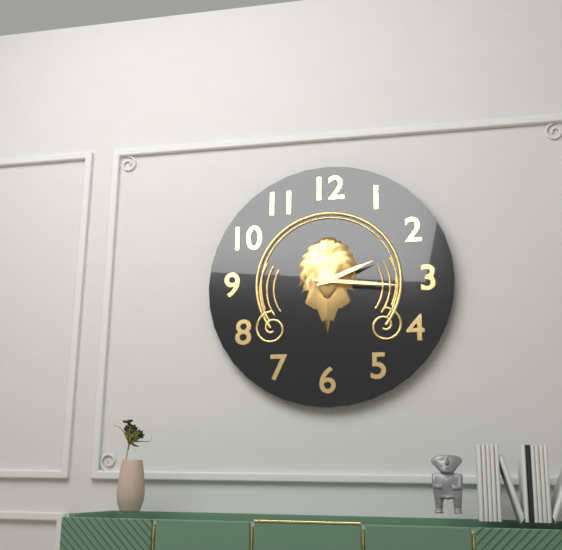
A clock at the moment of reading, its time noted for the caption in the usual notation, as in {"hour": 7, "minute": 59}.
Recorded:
{"hour": 2, "minute": 16}
